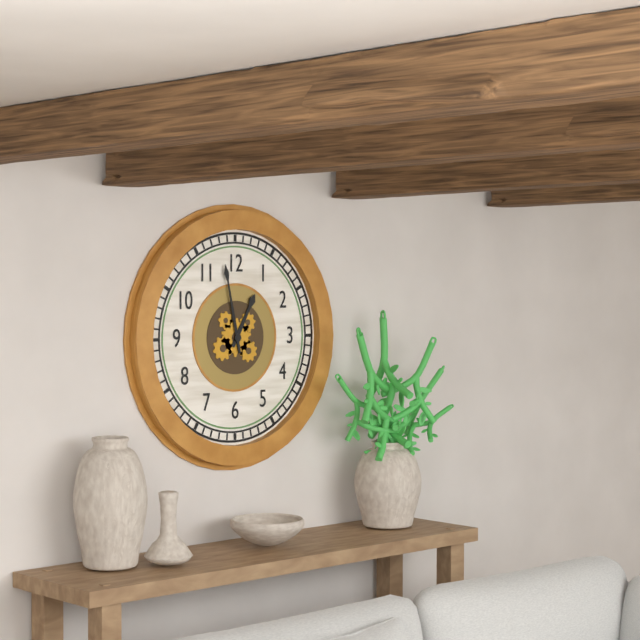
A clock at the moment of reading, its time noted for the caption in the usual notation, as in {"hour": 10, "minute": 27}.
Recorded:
{"hour": 12, "minute": 58}
